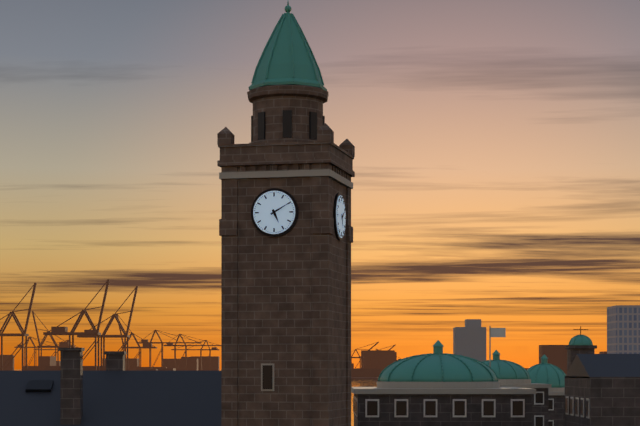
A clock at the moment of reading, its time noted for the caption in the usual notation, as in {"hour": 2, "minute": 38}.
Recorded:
{"hour": 5, "minute": 10}
